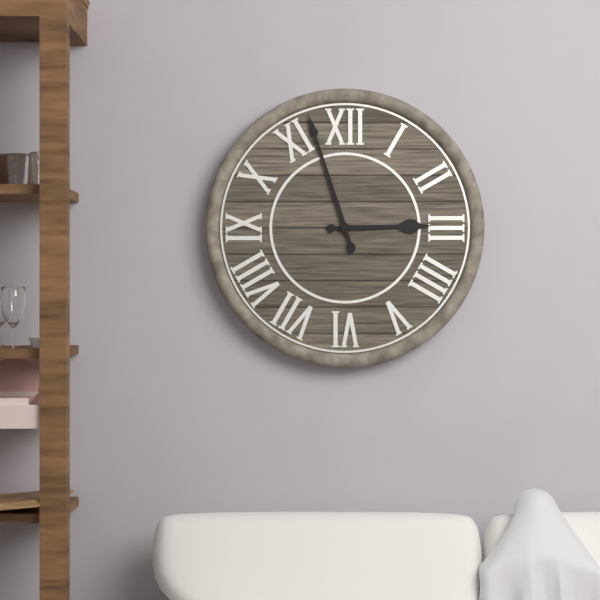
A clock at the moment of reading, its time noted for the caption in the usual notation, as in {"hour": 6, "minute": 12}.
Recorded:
{"hour": 2, "minute": 57}
